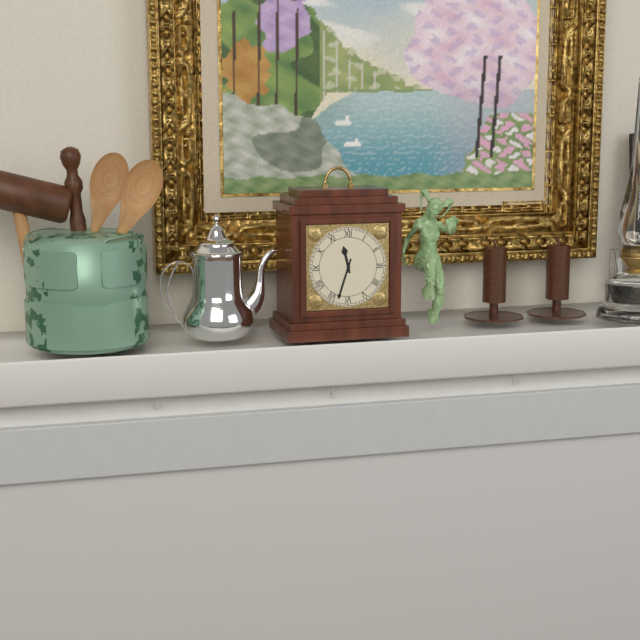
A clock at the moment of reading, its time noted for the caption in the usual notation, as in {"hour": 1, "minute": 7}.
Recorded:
{"hour": 11, "minute": 33}
